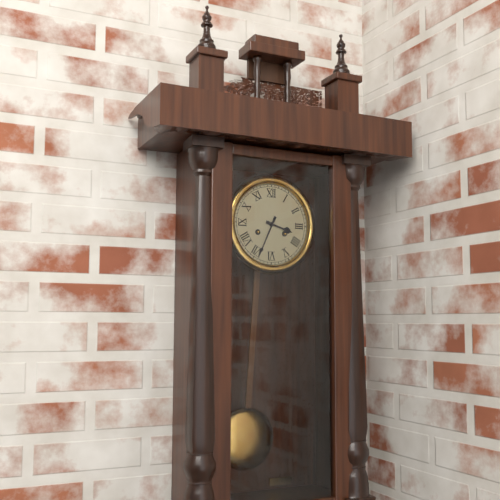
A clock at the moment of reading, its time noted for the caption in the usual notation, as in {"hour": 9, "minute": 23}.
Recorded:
{"hour": 3, "minute": 34}
